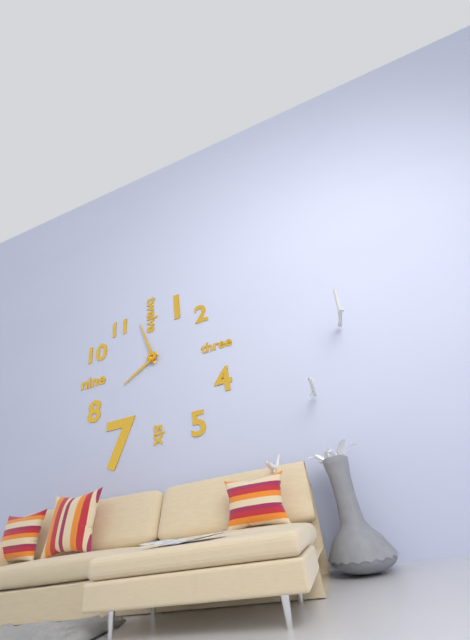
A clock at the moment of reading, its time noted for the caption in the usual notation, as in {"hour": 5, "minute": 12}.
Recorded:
{"hour": 7, "minute": 57}
